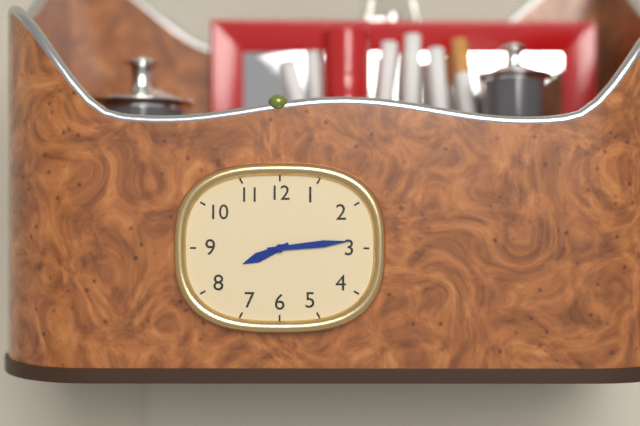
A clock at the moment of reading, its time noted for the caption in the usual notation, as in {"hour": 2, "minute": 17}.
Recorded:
{"hour": 8, "minute": 14}
